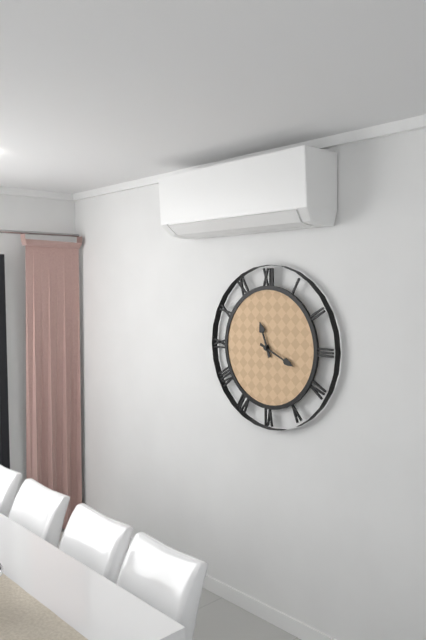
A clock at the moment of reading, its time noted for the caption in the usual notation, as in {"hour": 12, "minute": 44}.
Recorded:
{"hour": 11, "minute": 19}
